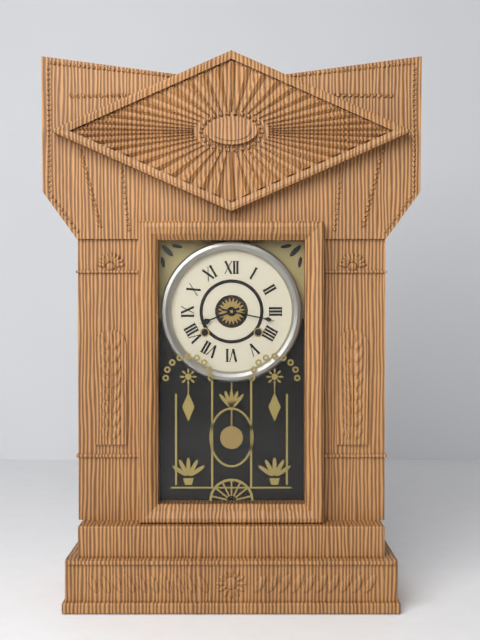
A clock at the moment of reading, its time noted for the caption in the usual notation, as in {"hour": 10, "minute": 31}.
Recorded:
{"hour": 8, "minute": 17}
